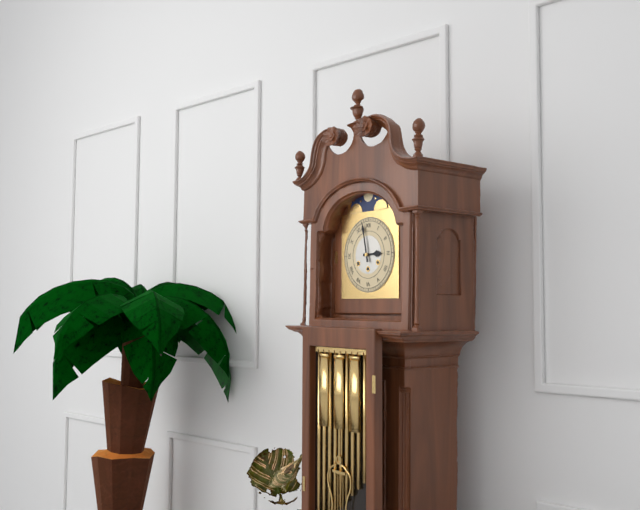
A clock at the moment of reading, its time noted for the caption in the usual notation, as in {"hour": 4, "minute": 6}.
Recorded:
{"hour": 2, "minute": 58}
